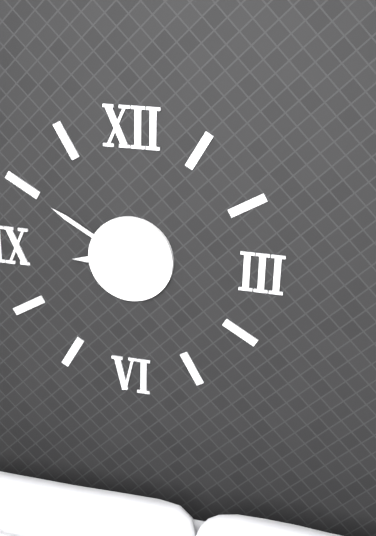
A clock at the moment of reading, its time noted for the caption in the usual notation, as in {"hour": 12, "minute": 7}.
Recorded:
{"hour": 8, "minute": 50}
